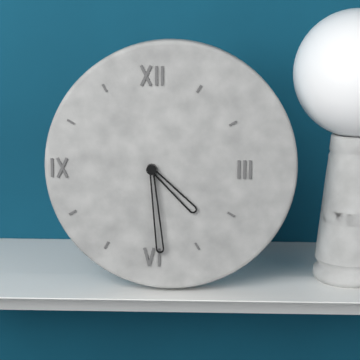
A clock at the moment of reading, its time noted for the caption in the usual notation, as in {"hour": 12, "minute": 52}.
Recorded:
{"hour": 4, "minute": 29}
